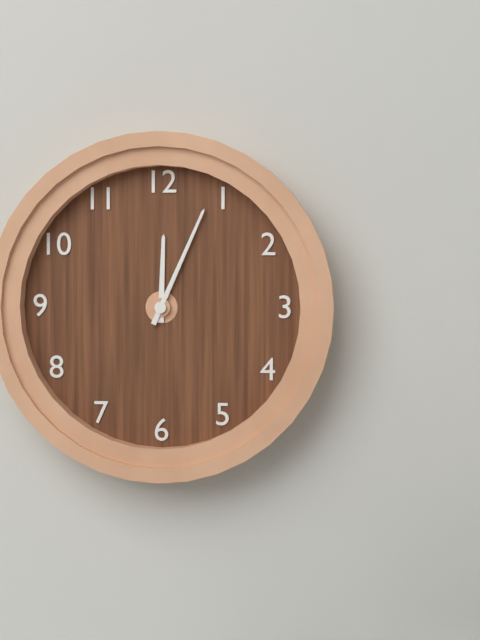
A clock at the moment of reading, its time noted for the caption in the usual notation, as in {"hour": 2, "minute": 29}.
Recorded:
{"hour": 12, "minute": 4}
